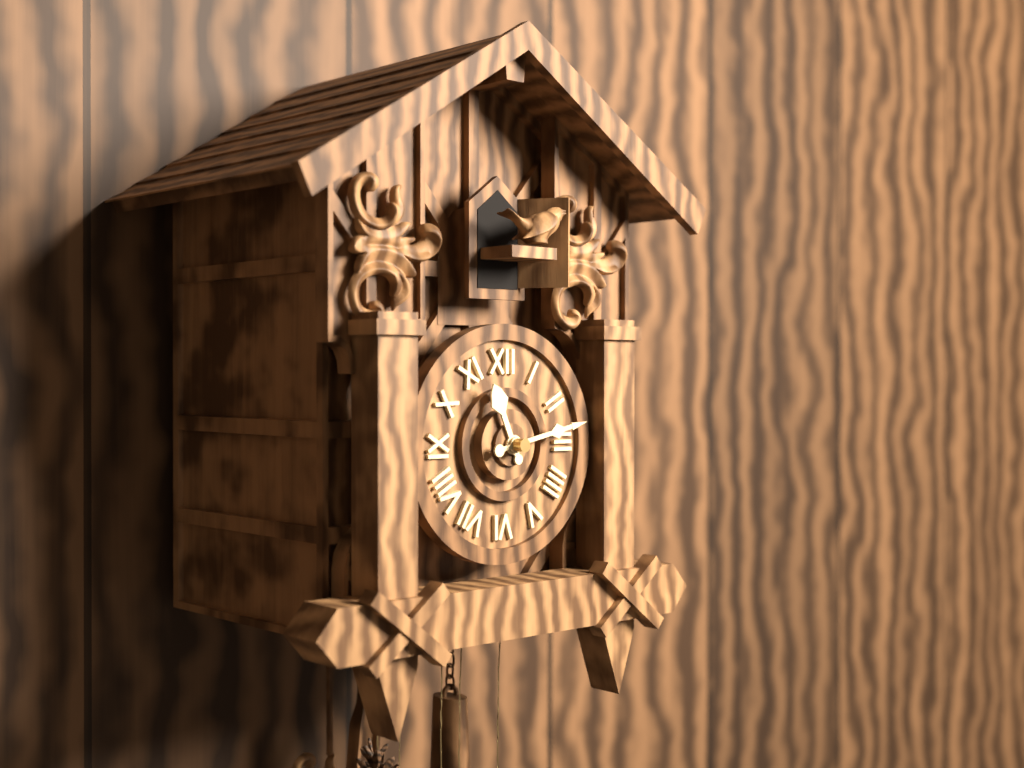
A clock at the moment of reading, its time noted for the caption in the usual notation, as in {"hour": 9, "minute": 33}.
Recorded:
{"hour": 11, "minute": 13}
